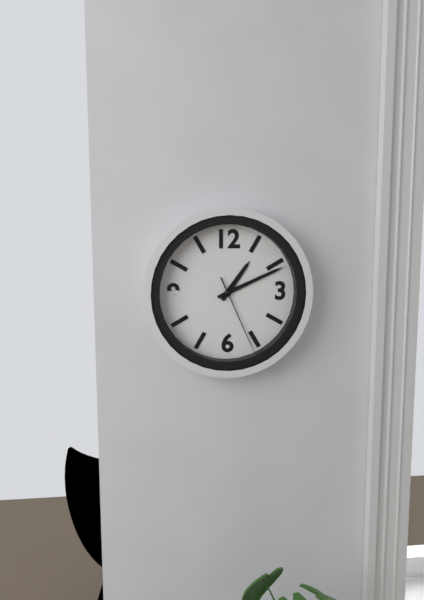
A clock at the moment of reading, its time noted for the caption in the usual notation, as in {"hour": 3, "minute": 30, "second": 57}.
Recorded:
{"hour": 1, "minute": 11, "second": 26}
